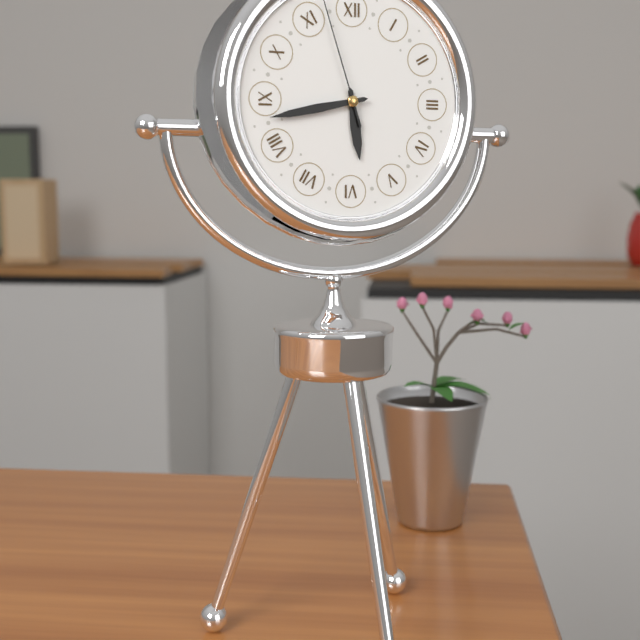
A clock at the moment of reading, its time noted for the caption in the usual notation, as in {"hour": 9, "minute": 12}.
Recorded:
{"hour": 5, "minute": 43}
